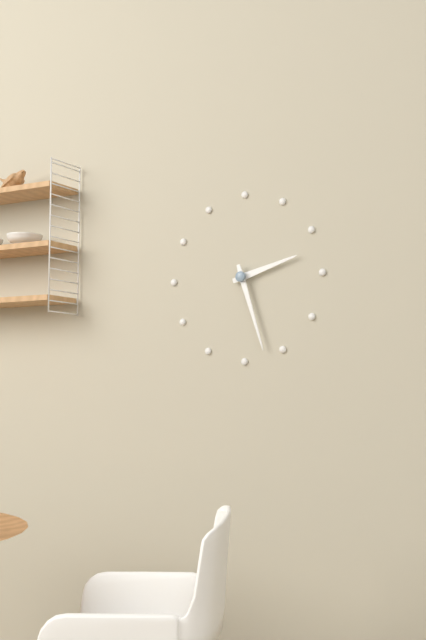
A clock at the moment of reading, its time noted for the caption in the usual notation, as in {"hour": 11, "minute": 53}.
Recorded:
{"hour": 2, "minute": 27}
